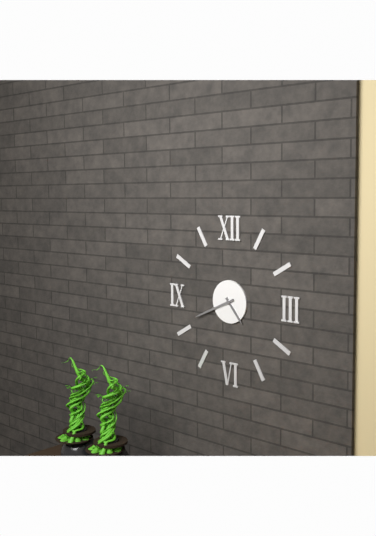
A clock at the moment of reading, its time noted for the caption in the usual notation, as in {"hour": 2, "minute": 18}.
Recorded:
{"hour": 4, "minute": 41}
